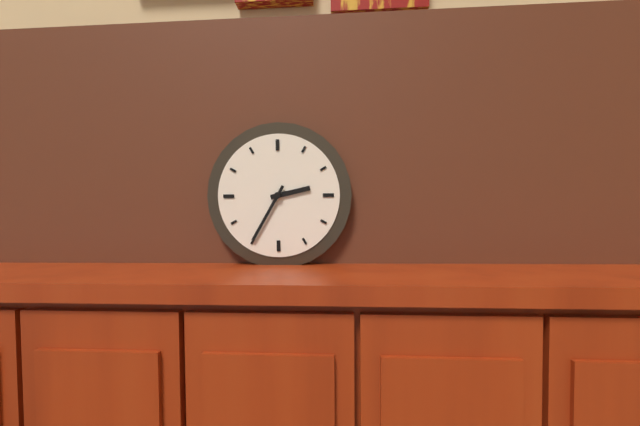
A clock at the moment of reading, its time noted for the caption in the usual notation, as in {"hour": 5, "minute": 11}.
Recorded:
{"hour": 2, "minute": 35}
